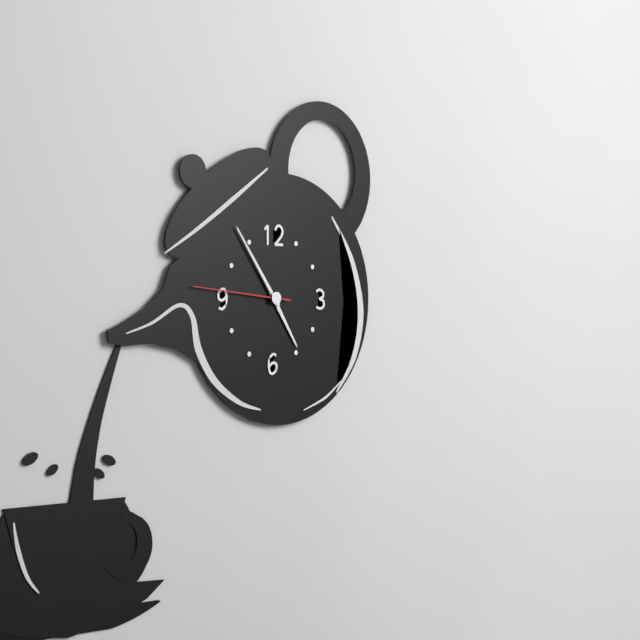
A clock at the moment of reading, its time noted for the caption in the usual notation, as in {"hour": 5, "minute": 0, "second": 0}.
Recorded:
{"hour": 4, "minute": 54, "second": 46}
